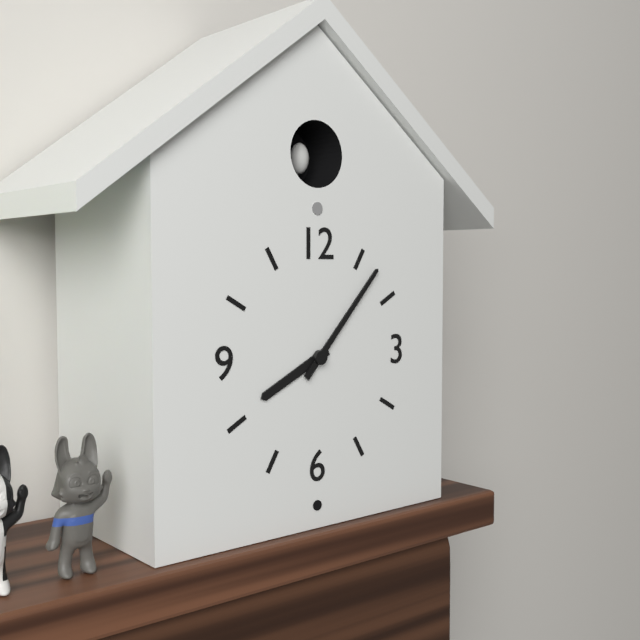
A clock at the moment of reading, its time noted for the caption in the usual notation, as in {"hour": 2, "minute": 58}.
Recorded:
{"hour": 8, "minute": 7}
